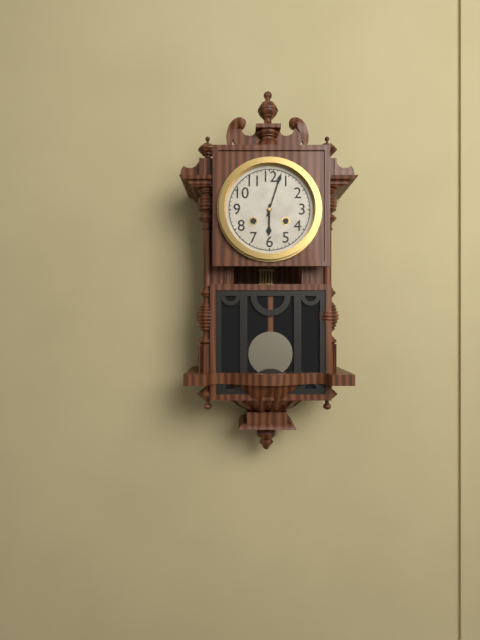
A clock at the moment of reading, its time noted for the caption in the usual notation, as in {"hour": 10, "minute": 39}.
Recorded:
{"hour": 6, "minute": 3}
